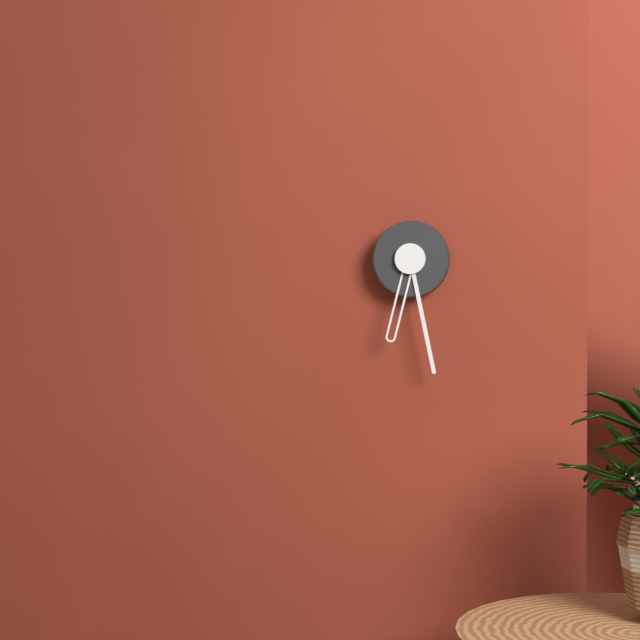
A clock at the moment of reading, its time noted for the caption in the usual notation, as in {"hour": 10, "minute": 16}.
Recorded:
{"hour": 6, "minute": 28}
